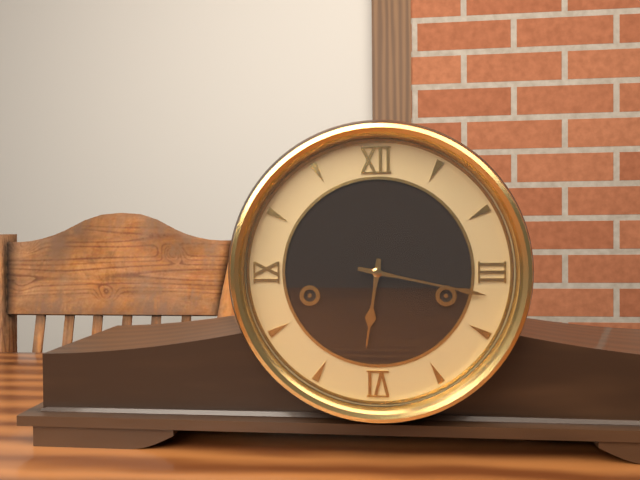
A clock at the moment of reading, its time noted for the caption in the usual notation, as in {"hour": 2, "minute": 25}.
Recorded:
{"hour": 6, "minute": 17}
